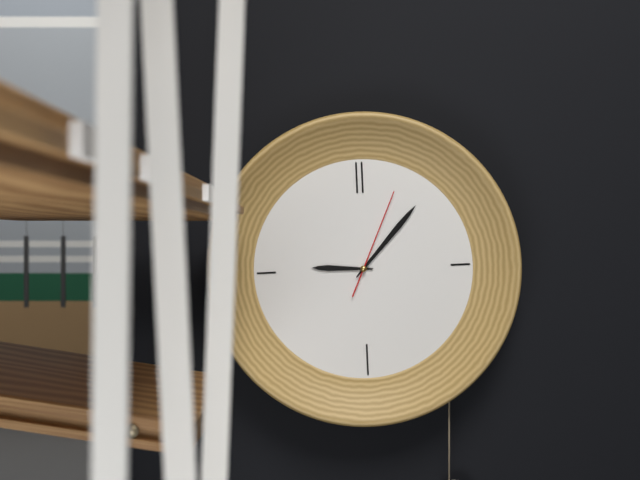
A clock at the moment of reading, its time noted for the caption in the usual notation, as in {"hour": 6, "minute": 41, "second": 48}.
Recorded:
{"hour": 9, "minute": 7, "second": 4}
